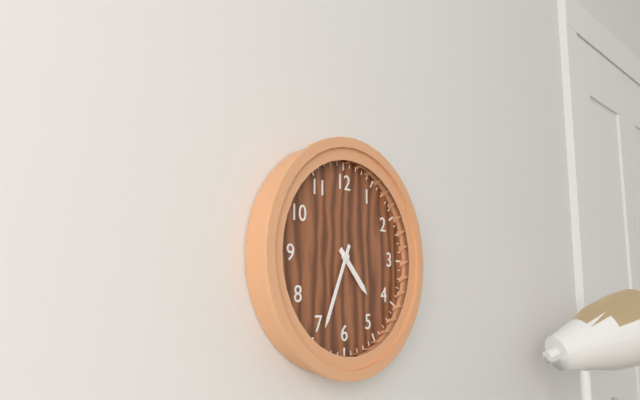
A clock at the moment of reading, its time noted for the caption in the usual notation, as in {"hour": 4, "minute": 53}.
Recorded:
{"hour": 4, "minute": 34}
